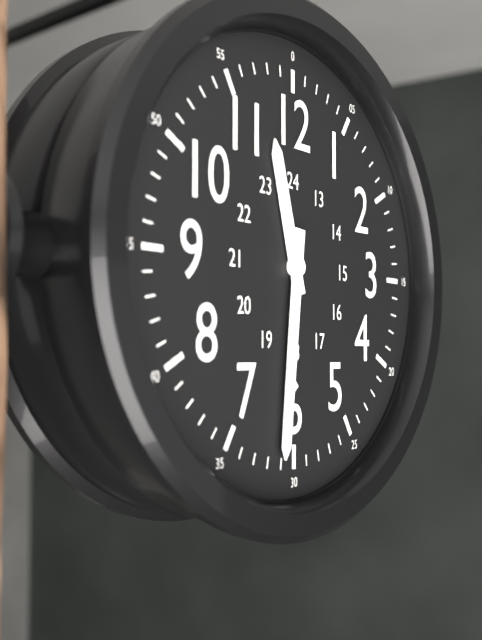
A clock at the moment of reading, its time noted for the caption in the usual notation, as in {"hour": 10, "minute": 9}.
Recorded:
{"hour": 11, "minute": 31}
